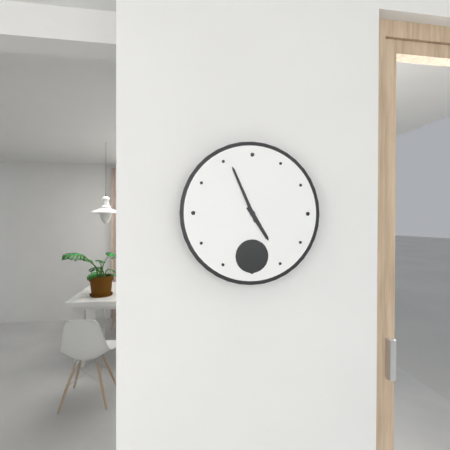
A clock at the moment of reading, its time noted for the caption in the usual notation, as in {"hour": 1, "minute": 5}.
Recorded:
{"hour": 4, "minute": 56}
